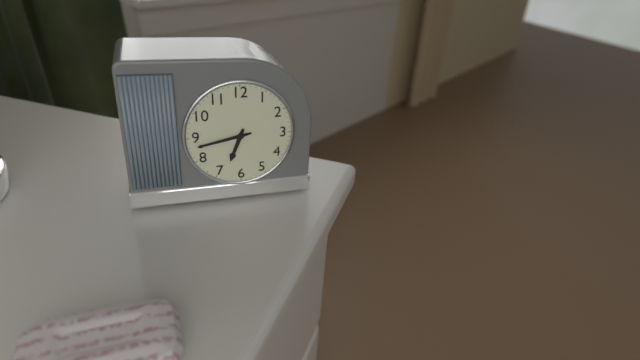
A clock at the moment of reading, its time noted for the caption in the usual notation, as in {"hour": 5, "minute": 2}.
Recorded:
{"hour": 6, "minute": 43}
